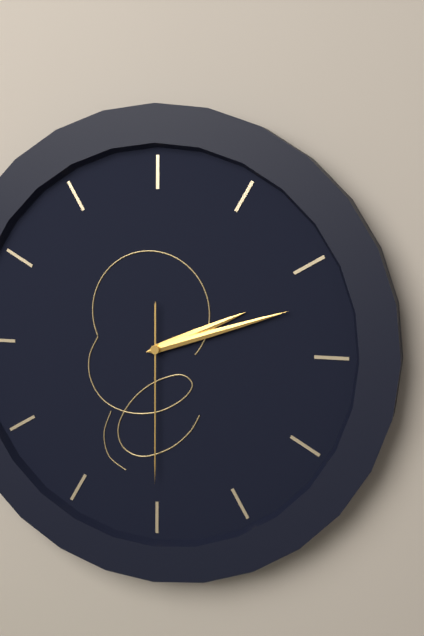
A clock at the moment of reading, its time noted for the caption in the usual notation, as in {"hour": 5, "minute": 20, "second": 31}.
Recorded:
{"hour": 2, "minute": 12, "second": 30}
